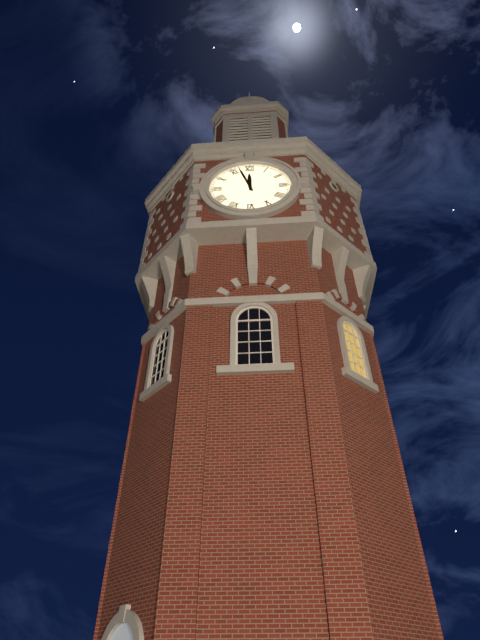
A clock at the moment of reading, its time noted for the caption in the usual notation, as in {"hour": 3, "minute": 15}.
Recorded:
{"hour": 11, "minute": 57}
